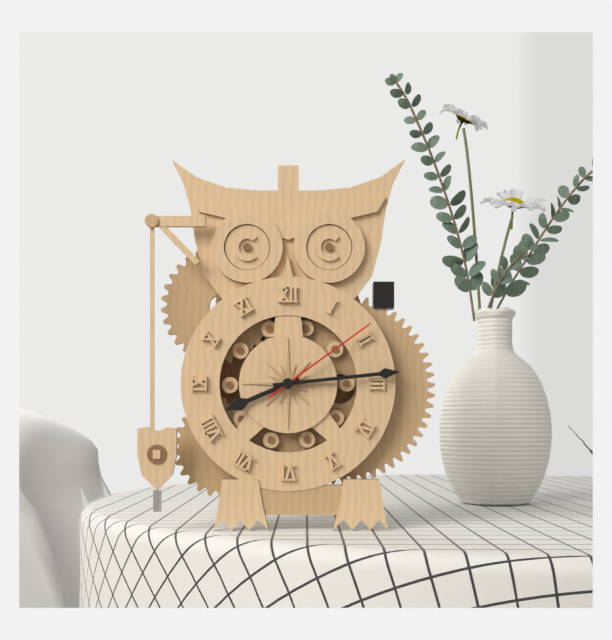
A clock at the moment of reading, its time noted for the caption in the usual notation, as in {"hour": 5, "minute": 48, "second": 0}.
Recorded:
{"hour": 8, "minute": 14, "second": 9}
